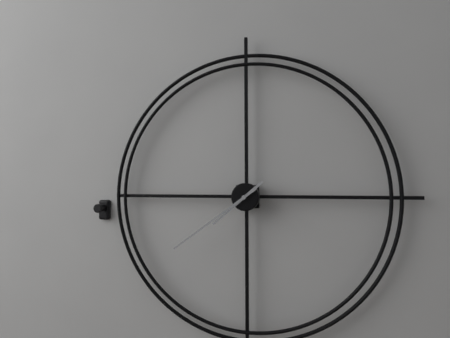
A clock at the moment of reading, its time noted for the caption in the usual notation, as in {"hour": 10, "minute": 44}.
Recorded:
{"hour": 7, "minute": 39}
